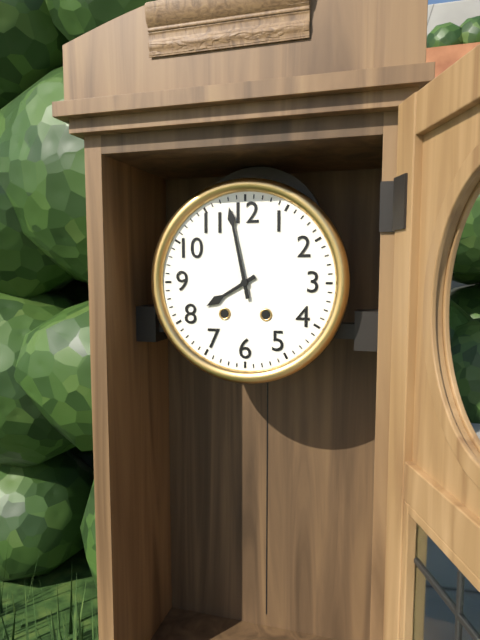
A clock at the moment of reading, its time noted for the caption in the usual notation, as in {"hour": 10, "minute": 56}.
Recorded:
{"hour": 7, "minute": 58}
